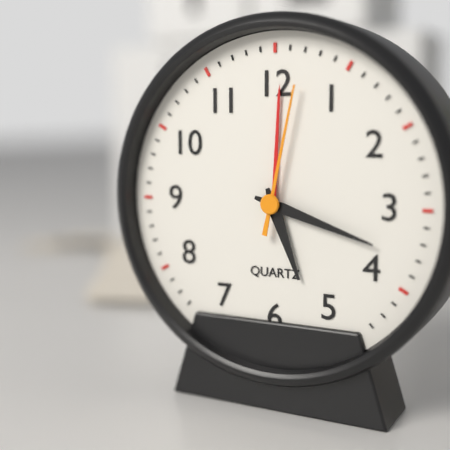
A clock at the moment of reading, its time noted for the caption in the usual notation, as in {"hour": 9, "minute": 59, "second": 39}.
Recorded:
{"hour": 5, "minute": 18, "second": 2}
